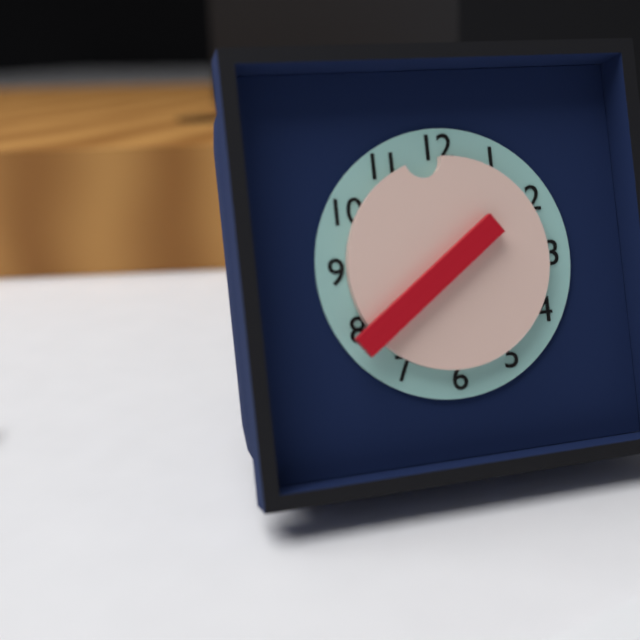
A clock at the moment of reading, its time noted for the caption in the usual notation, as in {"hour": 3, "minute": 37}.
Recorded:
{"hour": 11, "minute": 39}
